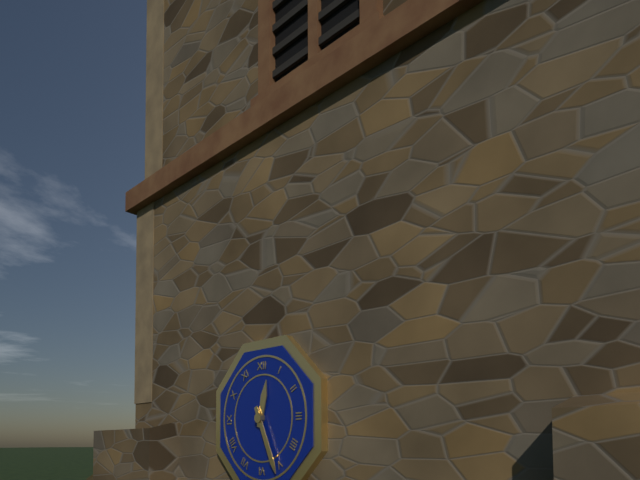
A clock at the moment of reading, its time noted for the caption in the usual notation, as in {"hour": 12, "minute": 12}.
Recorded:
{"hour": 12, "minute": 26}
